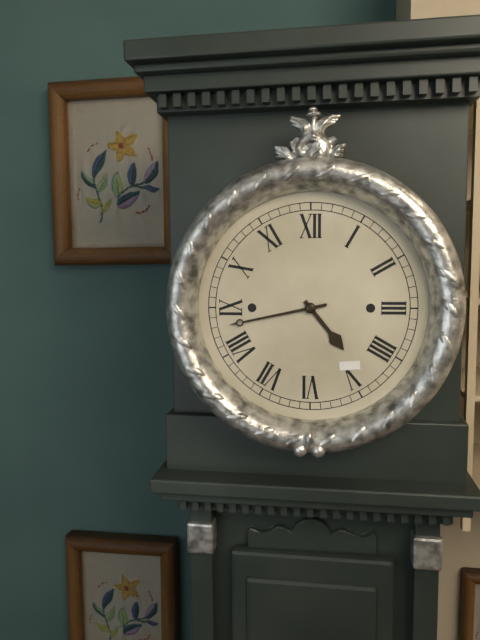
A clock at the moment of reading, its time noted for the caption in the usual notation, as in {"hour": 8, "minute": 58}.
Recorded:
{"hour": 4, "minute": 43}
